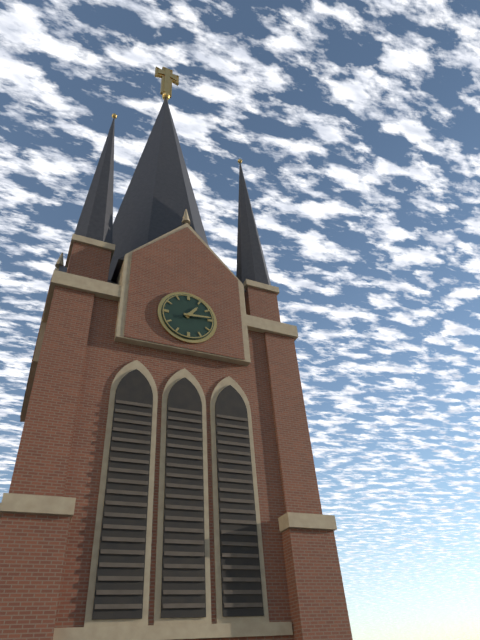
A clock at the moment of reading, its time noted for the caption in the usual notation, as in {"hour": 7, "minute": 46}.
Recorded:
{"hour": 1, "minute": 14}
